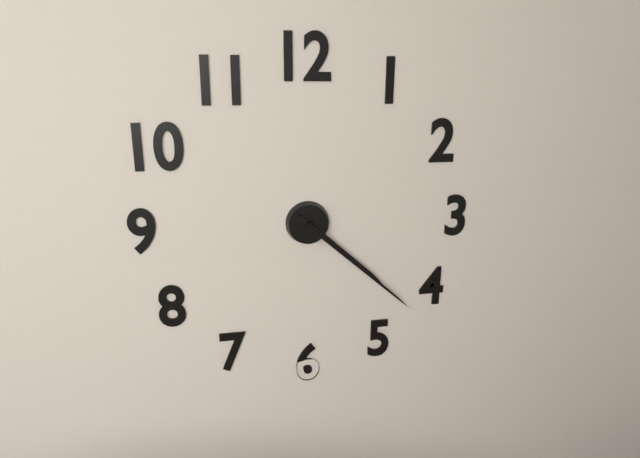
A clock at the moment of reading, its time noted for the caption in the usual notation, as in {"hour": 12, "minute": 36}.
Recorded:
{"hour": 4, "minute": 22}
